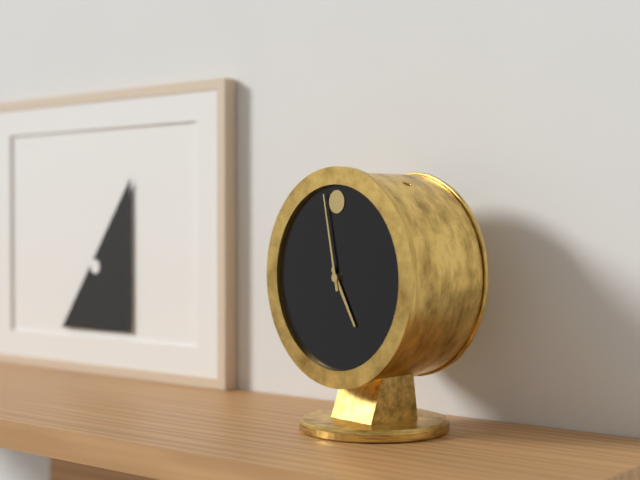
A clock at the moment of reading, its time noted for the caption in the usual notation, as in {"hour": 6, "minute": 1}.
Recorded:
{"hour": 4, "minute": 58}
